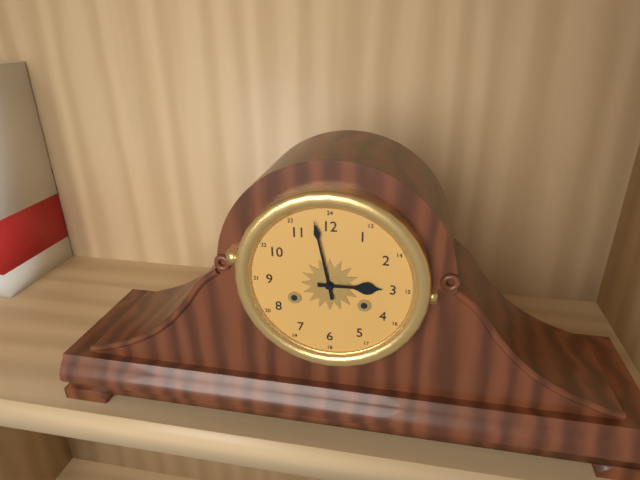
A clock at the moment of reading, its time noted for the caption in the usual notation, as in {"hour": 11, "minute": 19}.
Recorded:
{"hour": 2, "minute": 58}
